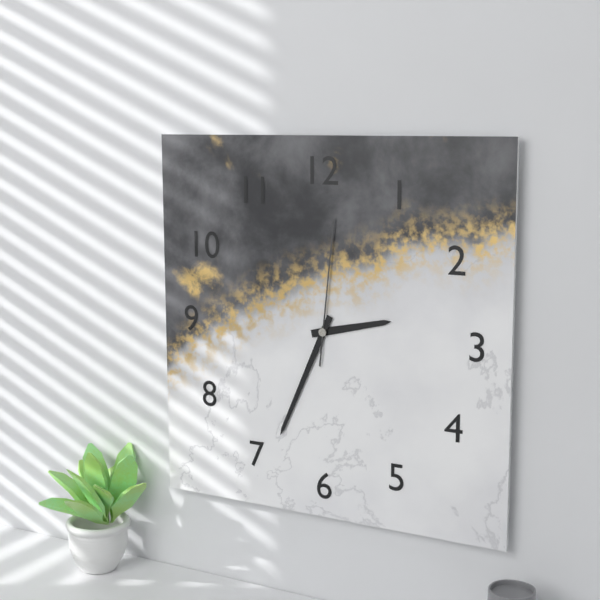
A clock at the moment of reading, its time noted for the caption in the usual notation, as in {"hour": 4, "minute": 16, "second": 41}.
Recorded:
{"hour": 2, "minute": 34, "second": 1}
